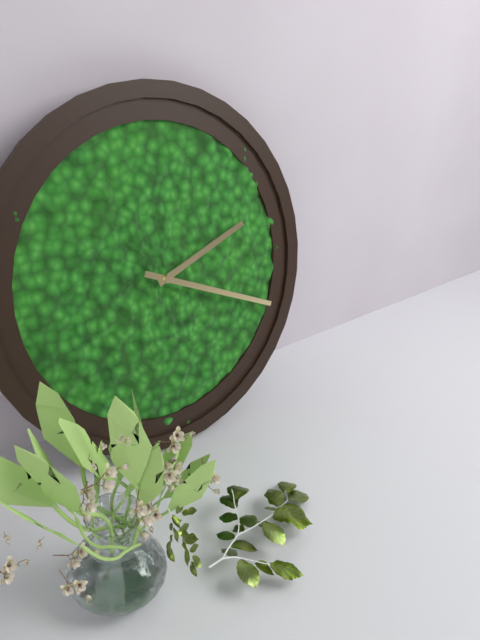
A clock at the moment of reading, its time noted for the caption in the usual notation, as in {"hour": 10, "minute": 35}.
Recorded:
{"hour": 2, "minute": 19}
